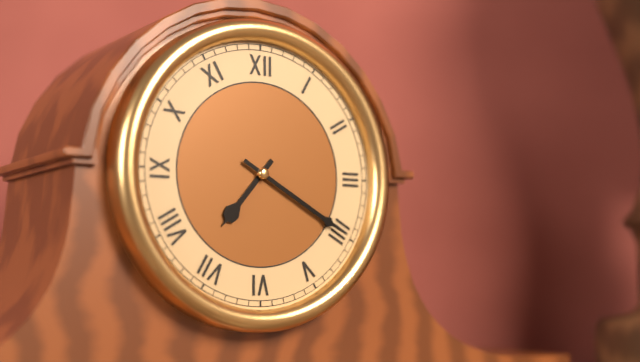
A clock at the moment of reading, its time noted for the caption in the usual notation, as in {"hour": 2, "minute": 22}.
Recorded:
{"hour": 7, "minute": 20}
